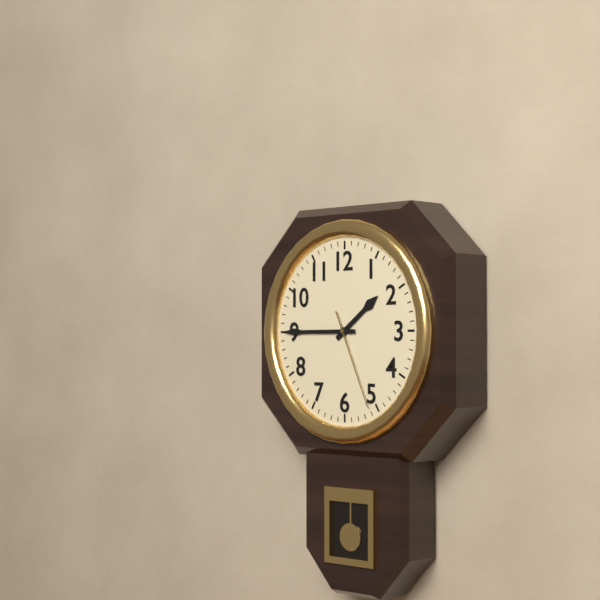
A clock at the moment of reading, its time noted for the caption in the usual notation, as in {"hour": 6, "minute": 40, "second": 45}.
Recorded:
{"hour": 1, "minute": 45, "second": 26}
